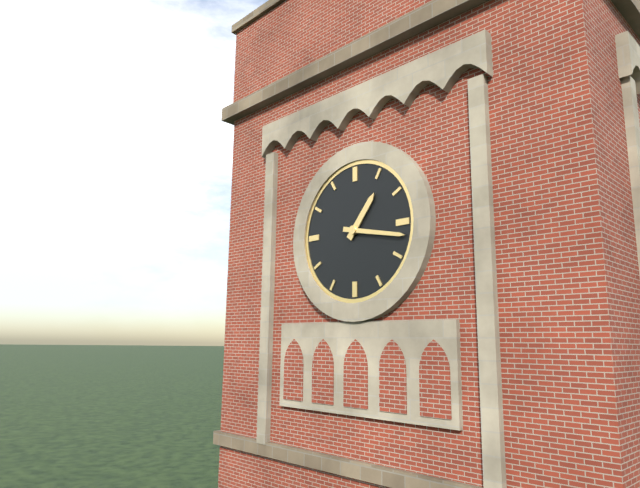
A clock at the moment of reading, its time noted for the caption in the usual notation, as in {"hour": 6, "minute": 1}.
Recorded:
{"hour": 1, "minute": 17}
